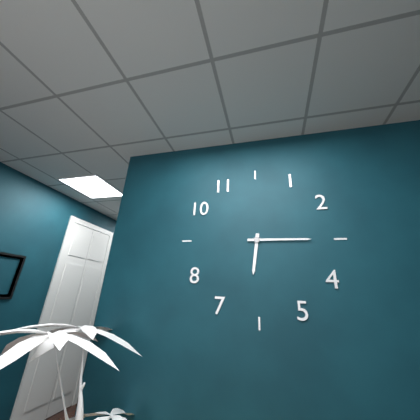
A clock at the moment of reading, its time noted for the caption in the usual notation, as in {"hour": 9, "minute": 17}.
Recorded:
{"hour": 6, "minute": 15}
